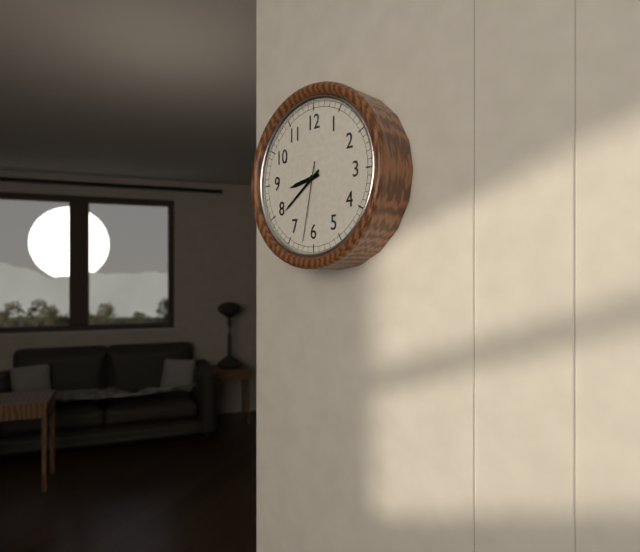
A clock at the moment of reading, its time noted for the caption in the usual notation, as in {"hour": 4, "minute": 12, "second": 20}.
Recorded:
{"hour": 8, "minute": 39, "second": 32}
